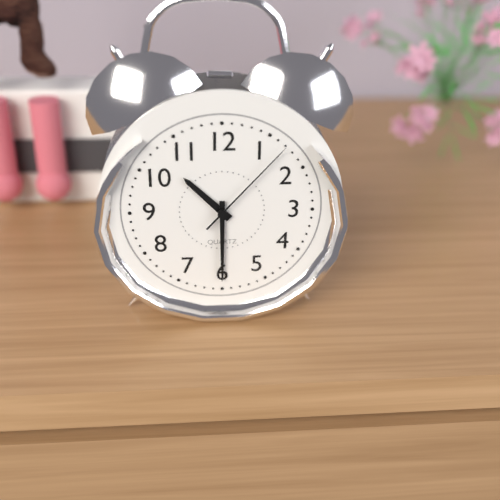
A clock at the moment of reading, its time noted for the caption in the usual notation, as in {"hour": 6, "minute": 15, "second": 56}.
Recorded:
{"hour": 10, "minute": 30, "second": 7}
